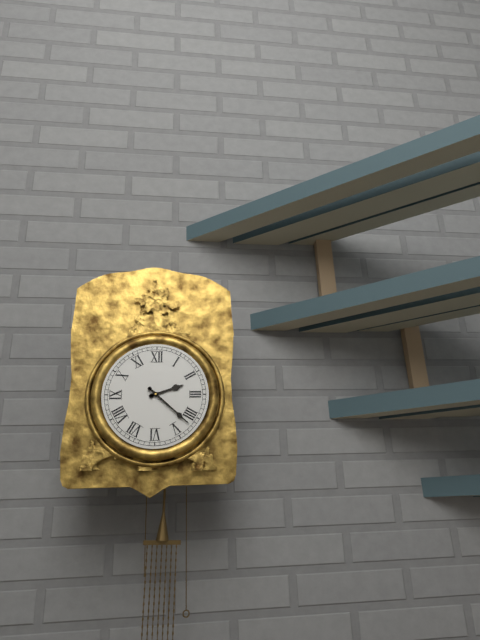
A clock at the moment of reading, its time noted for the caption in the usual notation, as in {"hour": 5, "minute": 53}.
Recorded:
{"hour": 2, "minute": 22}
